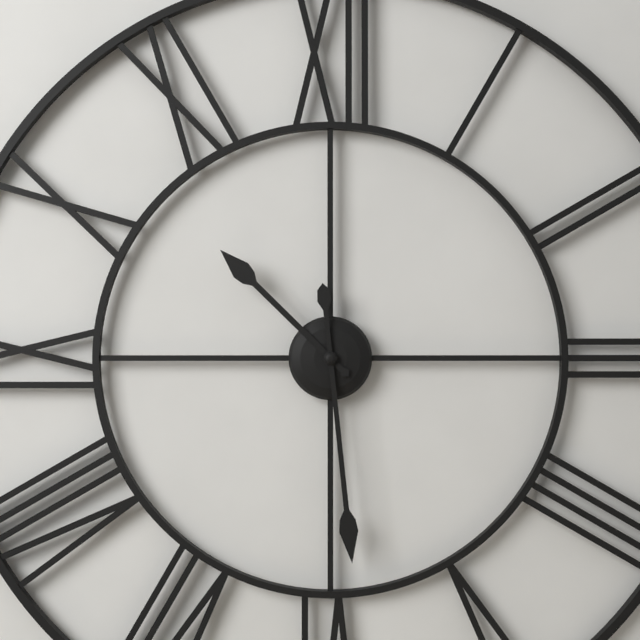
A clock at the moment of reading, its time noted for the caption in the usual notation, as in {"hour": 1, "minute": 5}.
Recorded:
{"hour": 10, "minute": 29}
